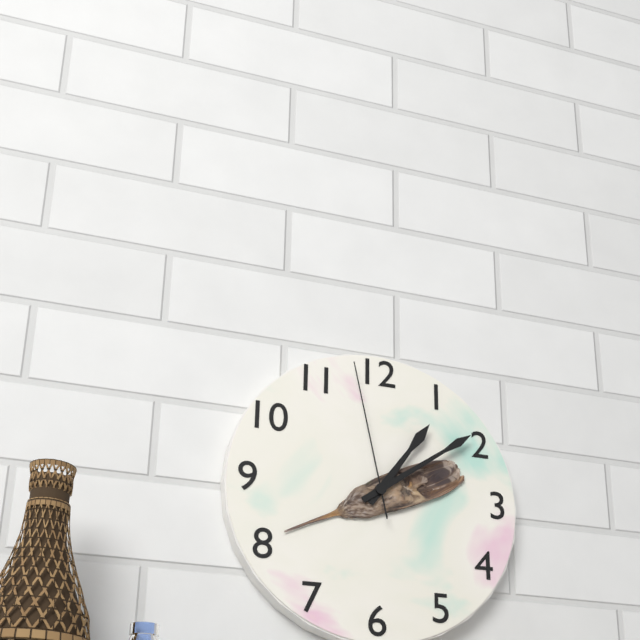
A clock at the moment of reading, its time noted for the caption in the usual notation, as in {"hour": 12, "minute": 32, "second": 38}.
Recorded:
{"hour": 1, "minute": 9, "second": 58}
